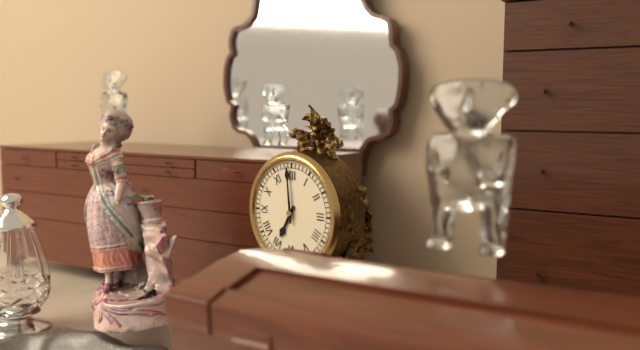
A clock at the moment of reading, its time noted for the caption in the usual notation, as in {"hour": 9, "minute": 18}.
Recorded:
{"hour": 6, "minute": 59}
